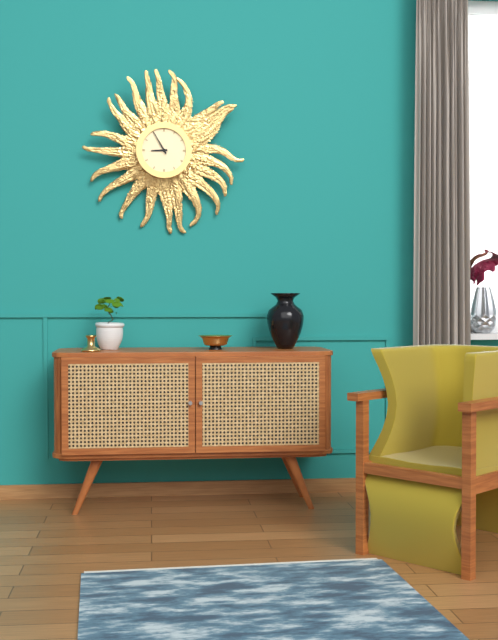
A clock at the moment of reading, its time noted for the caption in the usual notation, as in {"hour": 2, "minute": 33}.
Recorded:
{"hour": 8, "minute": 55}
